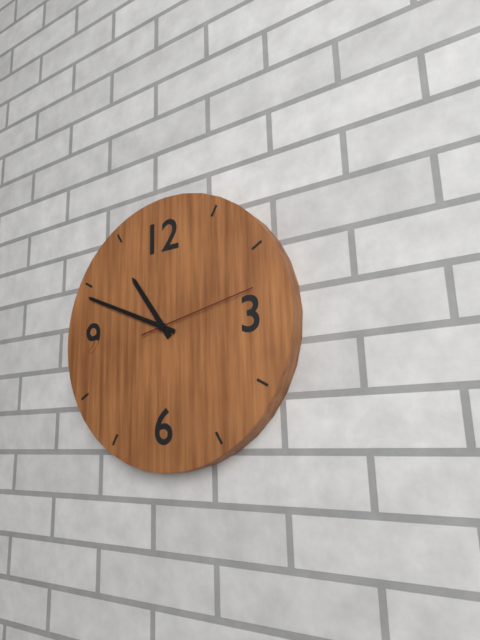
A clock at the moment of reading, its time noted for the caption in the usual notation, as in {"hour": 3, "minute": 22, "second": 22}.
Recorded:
{"hour": 10, "minute": 49, "second": 13}
